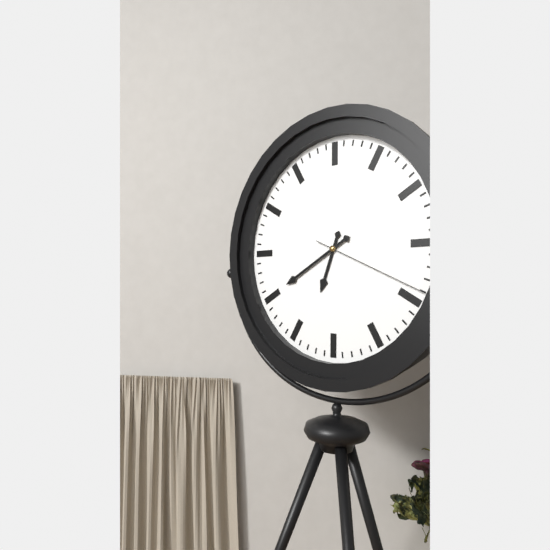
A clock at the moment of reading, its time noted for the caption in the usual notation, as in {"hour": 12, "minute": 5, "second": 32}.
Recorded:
{"hour": 6, "minute": 40, "second": 19}
